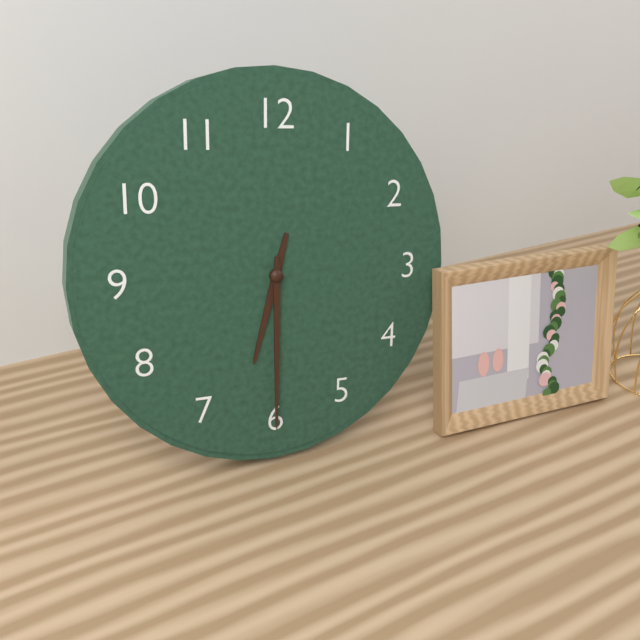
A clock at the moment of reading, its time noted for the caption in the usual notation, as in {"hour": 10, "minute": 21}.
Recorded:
{"hour": 6, "minute": 30}
